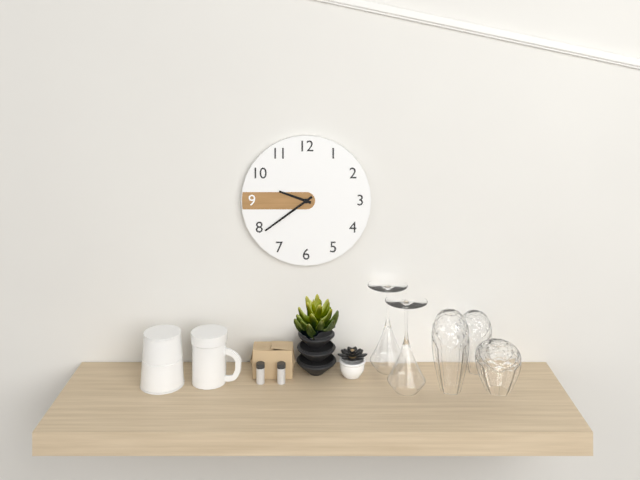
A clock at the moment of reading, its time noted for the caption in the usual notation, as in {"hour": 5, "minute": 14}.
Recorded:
{"hour": 9, "minute": 39}
